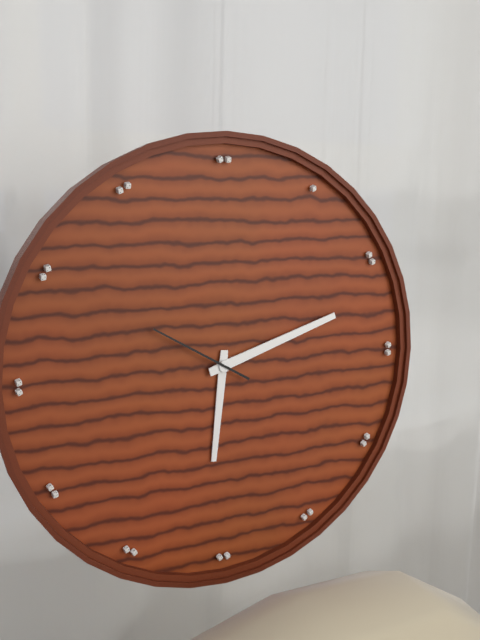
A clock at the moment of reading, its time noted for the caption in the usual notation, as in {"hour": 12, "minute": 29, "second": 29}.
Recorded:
{"hour": 6, "minute": 12, "second": 50}
